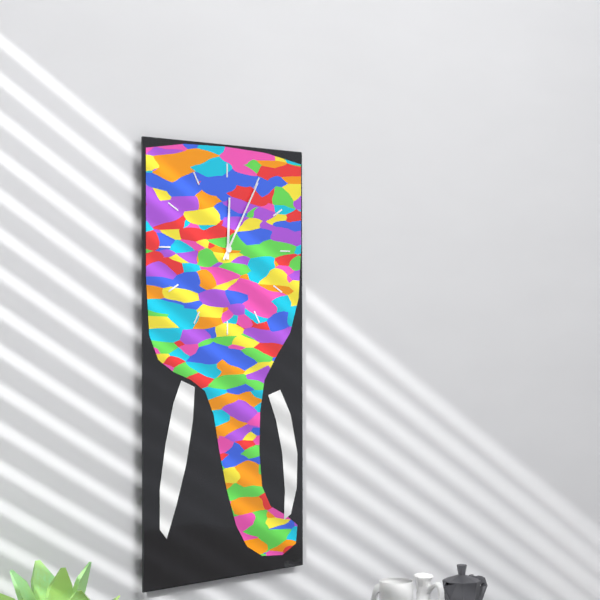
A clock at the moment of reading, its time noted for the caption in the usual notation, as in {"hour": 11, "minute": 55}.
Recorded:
{"hour": 12, "minute": 5}
